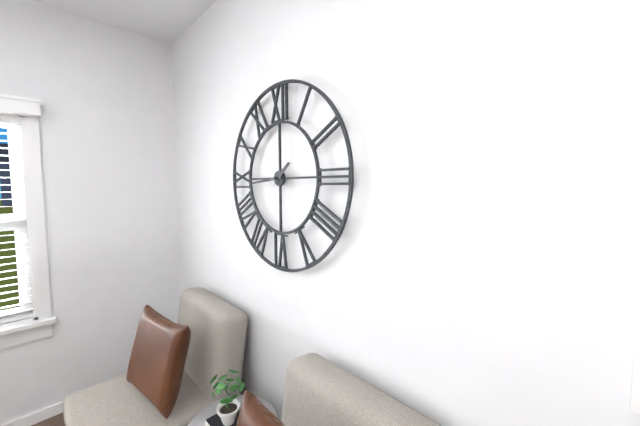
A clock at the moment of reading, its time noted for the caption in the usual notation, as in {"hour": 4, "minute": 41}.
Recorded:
{"hour": 1, "minute": 44}
